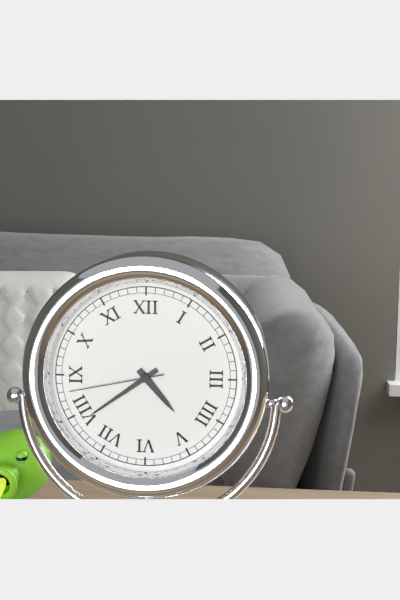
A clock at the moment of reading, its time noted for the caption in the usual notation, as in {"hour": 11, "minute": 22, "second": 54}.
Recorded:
{"hour": 4, "minute": 39, "second": 43}
